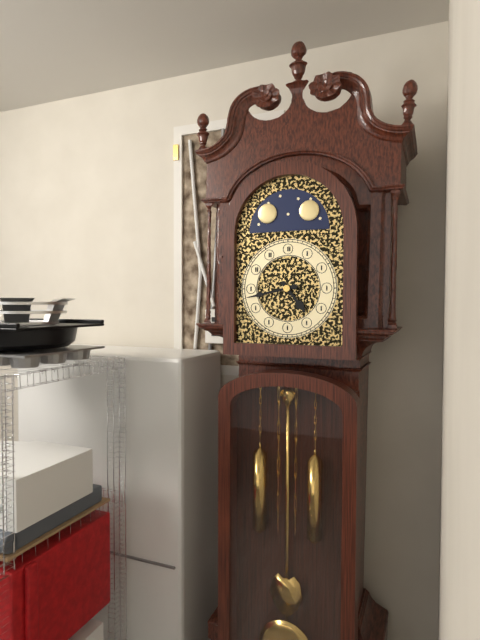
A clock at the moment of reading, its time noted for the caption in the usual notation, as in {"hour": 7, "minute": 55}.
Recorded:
{"hour": 4, "minute": 43}
